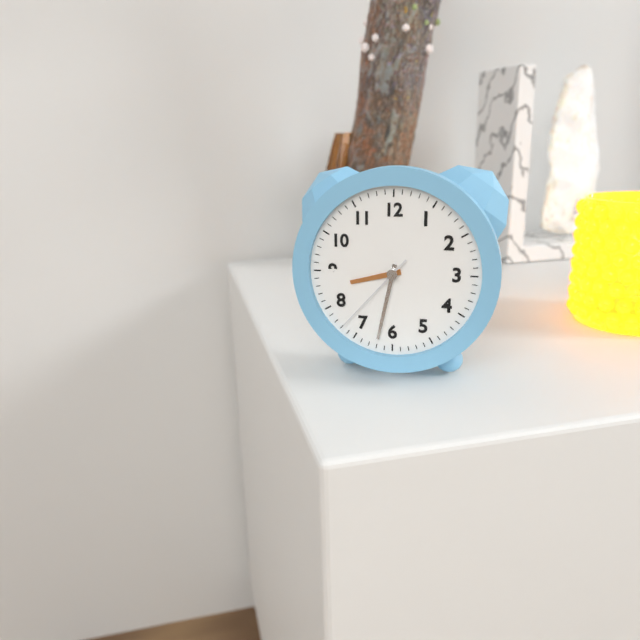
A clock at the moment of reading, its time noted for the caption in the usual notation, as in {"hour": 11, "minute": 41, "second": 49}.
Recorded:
{"hour": 8, "minute": 32, "second": 37}
